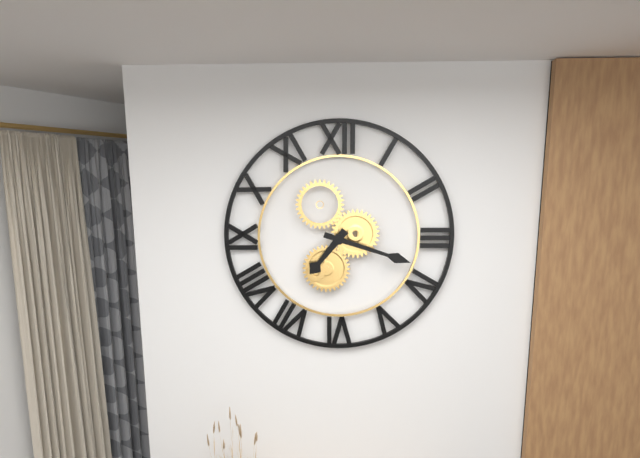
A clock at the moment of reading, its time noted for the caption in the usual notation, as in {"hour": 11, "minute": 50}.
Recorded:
{"hour": 7, "minute": 18}
